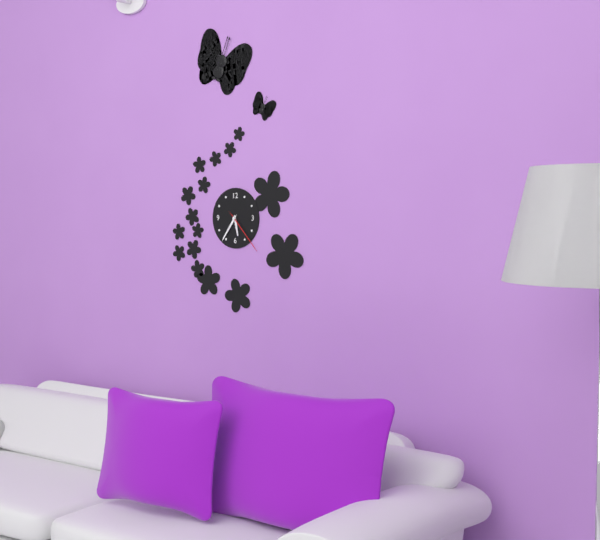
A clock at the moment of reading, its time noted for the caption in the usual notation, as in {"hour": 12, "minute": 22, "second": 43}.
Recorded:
{"hour": 5, "minute": 36, "second": 23}
